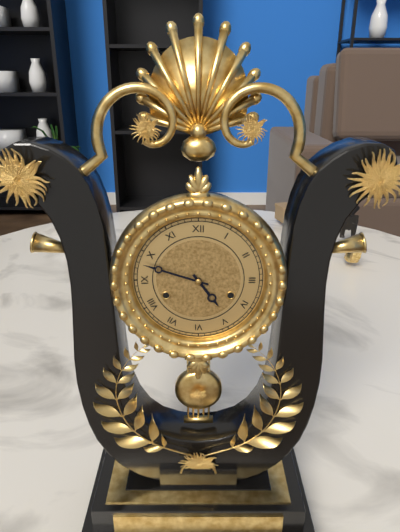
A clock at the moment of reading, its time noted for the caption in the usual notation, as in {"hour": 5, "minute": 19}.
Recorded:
{"hour": 4, "minute": 48}
